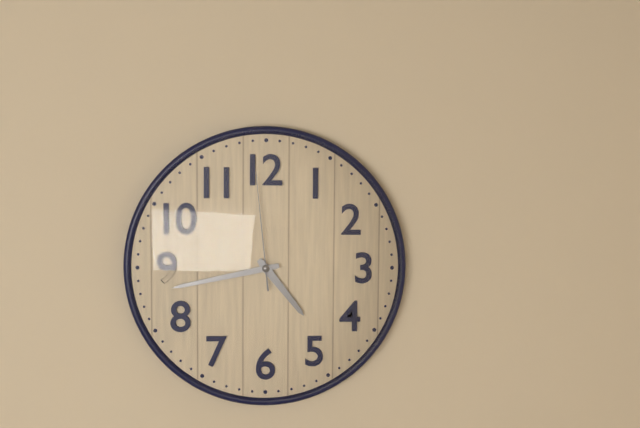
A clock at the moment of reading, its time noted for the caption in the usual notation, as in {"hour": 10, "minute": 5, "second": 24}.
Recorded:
{"hour": 4, "minute": 43, "second": 59}
